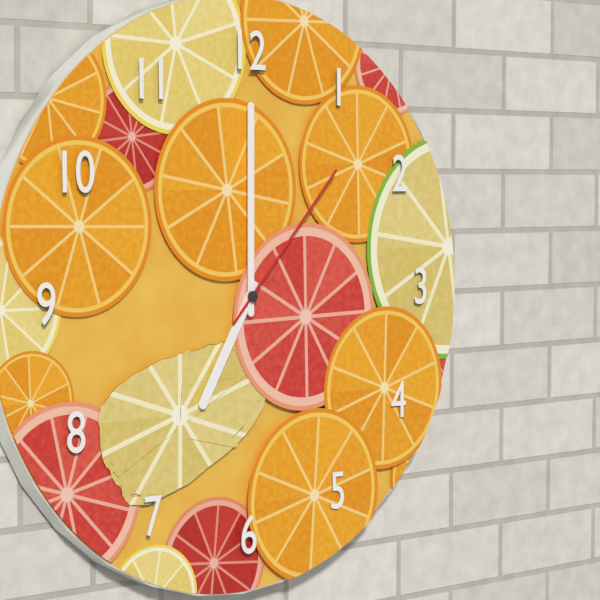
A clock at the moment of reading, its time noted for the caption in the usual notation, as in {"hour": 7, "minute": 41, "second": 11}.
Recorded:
{"hour": 7, "minute": 0, "second": 7}
